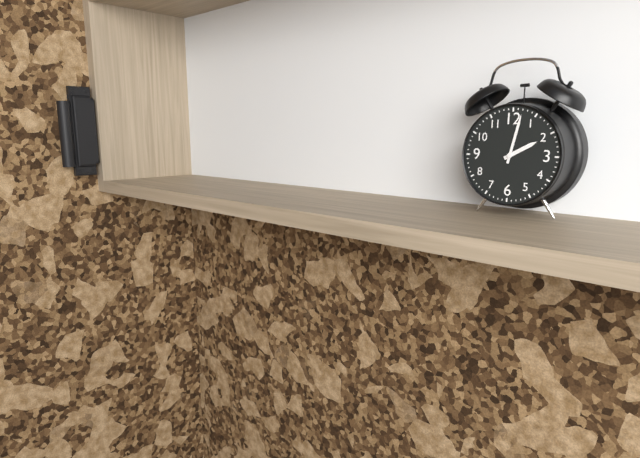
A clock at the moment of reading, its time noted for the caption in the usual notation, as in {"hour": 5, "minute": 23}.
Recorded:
{"hour": 2, "minute": 2}
